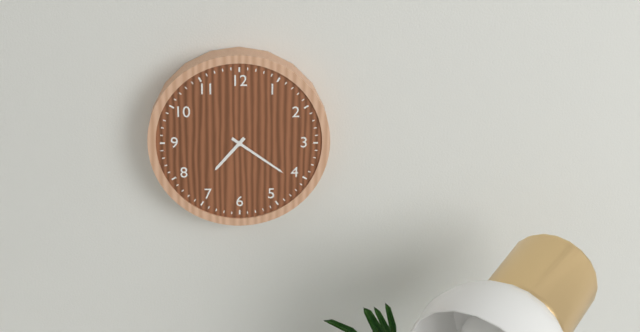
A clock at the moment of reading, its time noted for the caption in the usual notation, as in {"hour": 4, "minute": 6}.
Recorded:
{"hour": 7, "minute": 21}
